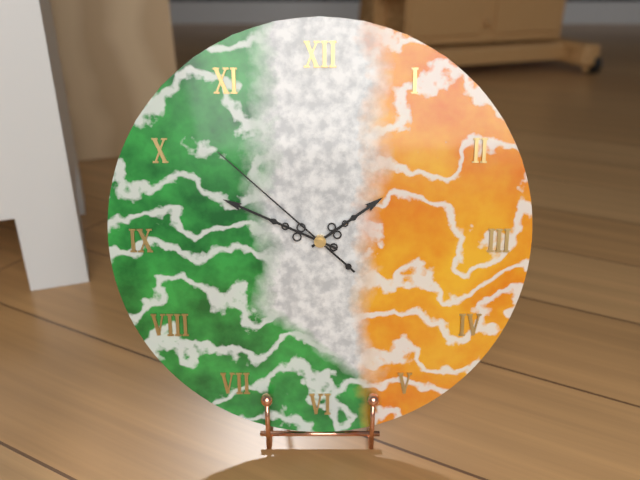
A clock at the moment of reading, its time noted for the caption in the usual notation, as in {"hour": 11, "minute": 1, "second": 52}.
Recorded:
{"hour": 1, "minute": 49, "second": 52}
